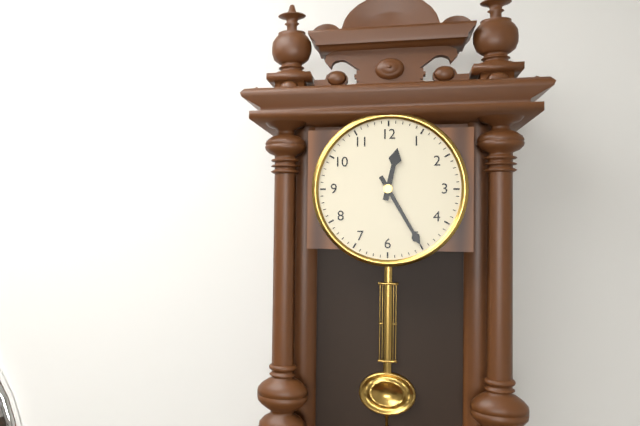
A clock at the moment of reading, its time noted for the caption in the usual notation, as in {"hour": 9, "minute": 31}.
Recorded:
{"hour": 12, "minute": 25}
